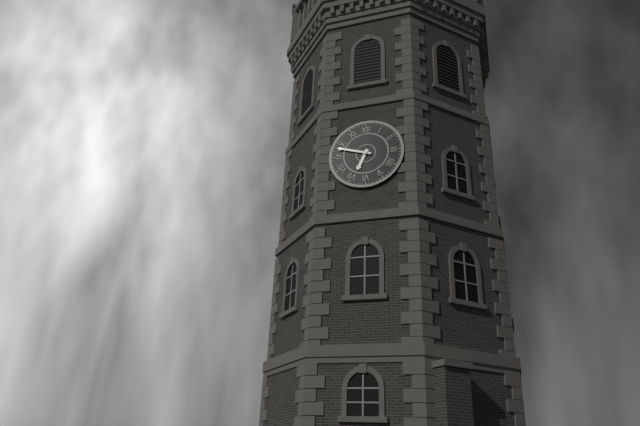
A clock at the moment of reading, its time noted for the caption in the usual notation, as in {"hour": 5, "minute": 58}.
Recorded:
{"hour": 6, "minute": 48}
